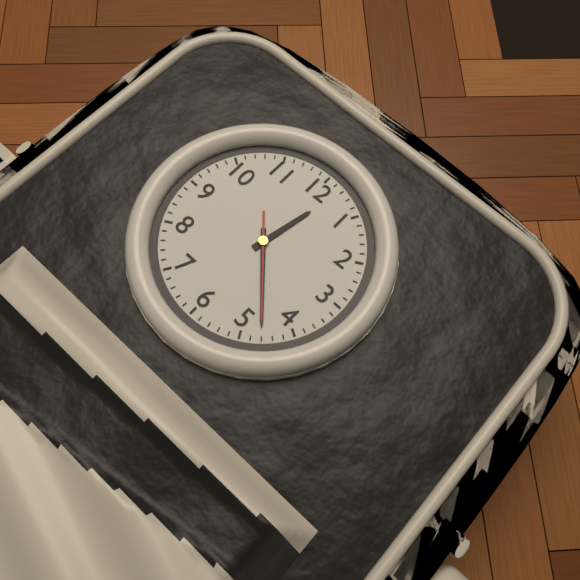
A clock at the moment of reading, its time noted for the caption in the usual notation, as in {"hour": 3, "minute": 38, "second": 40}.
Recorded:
{"hour": 12, "minute": 23, "second": 23}
